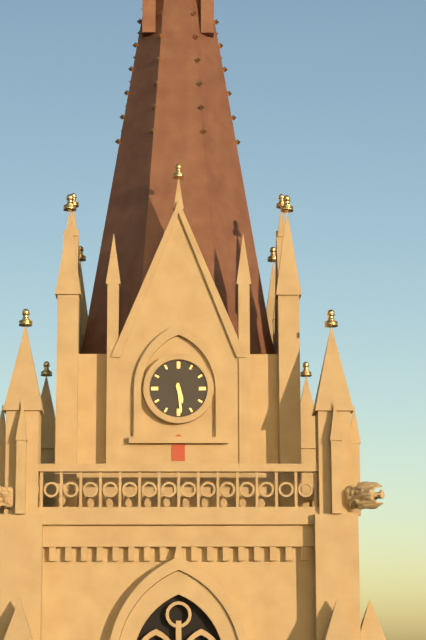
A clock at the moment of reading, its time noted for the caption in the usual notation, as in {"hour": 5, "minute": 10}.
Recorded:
{"hour": 5, "minute": 29}
